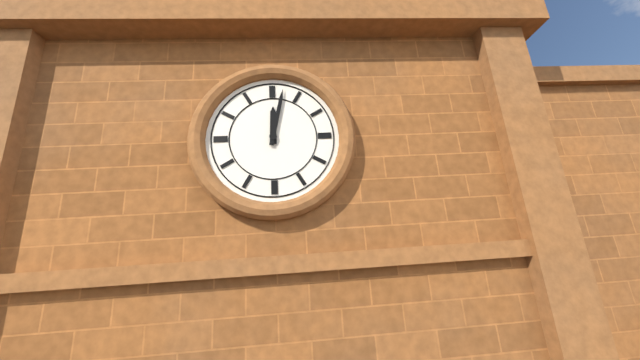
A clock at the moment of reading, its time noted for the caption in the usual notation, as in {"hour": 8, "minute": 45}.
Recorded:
{"hour": 12, "minute": 2}
